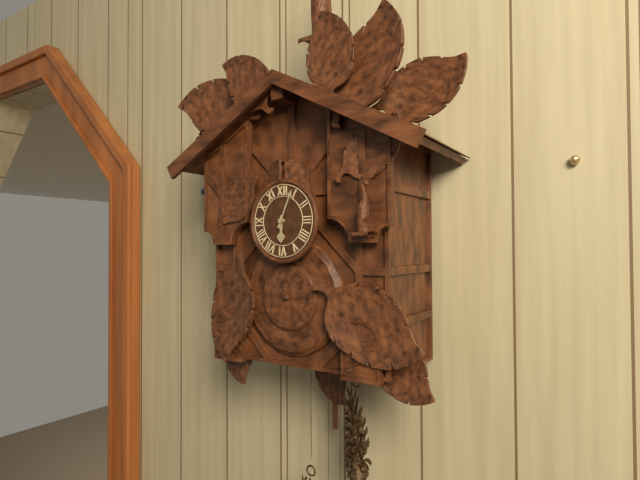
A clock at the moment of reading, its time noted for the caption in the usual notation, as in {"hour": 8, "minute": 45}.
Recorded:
{"hour": 6, "minute": 4}
